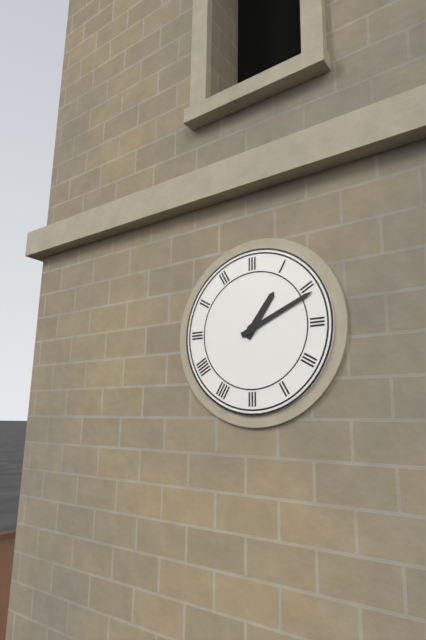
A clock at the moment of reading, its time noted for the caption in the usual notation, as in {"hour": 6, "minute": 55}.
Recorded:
{"hour": 1, "minute": 11}
